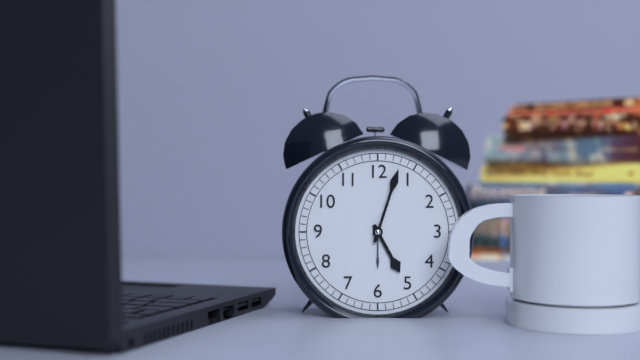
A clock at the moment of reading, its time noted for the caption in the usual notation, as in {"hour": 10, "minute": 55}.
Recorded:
{"hour": 5, "minute": 3}
